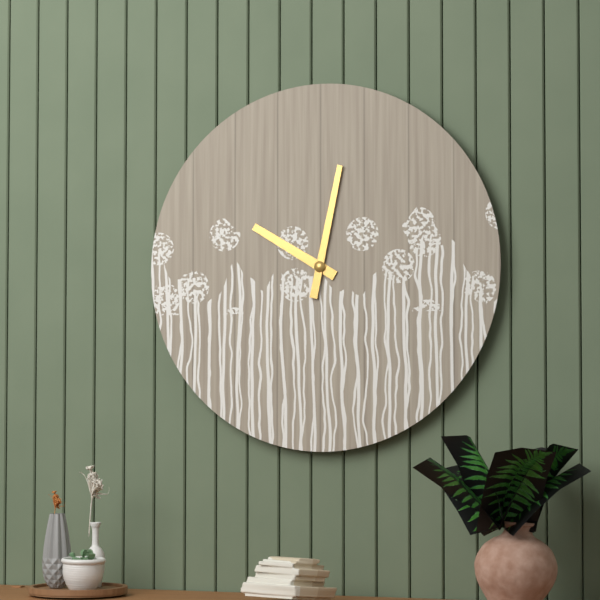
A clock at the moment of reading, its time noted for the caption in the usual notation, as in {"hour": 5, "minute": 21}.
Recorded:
{"hour": 10, "minute": 2}
